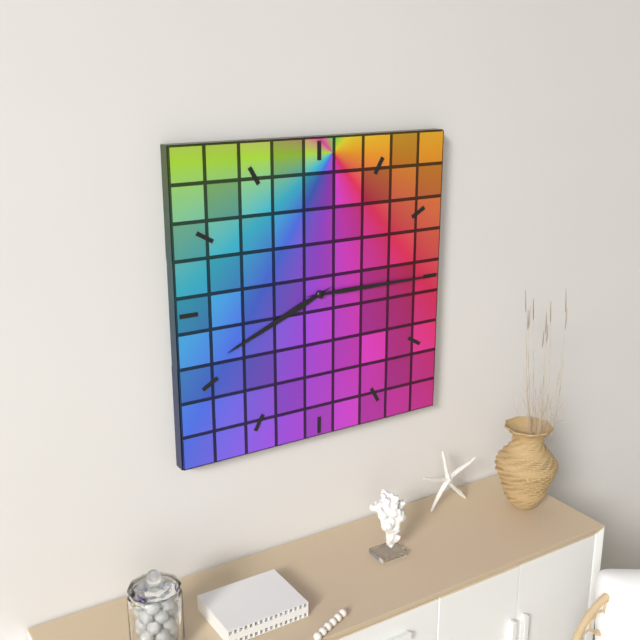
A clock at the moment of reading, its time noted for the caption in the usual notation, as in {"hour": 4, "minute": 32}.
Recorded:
{"hour": 8, "minute": 15}
